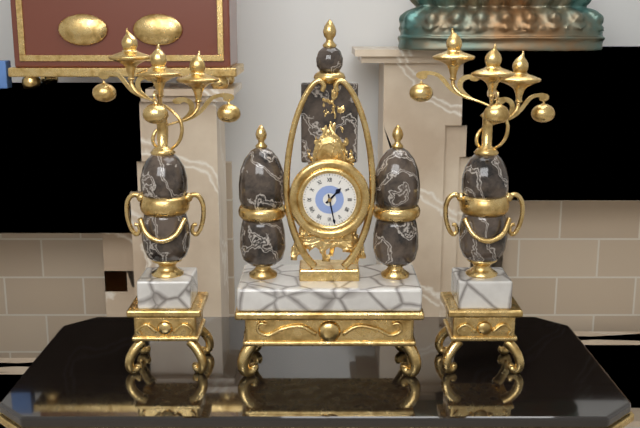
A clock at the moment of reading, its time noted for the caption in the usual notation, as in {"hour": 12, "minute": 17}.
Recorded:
{"hour": 1, "minute": 28}
